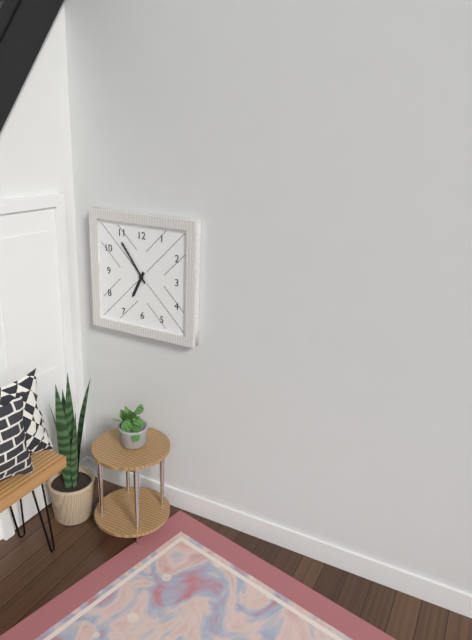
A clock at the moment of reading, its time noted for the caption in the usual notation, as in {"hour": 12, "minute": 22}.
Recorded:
{"hour": 6, "minute": 54}
